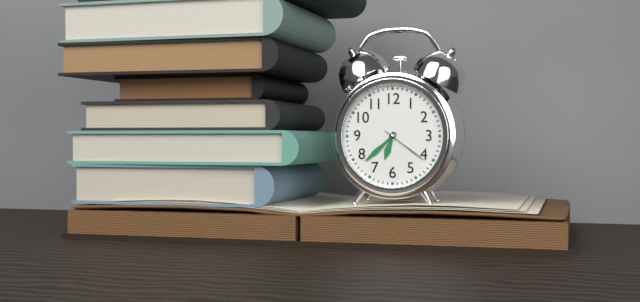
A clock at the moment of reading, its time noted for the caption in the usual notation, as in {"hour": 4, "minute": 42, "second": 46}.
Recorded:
{"hour": 6, "minute": 38, "second": 21}
